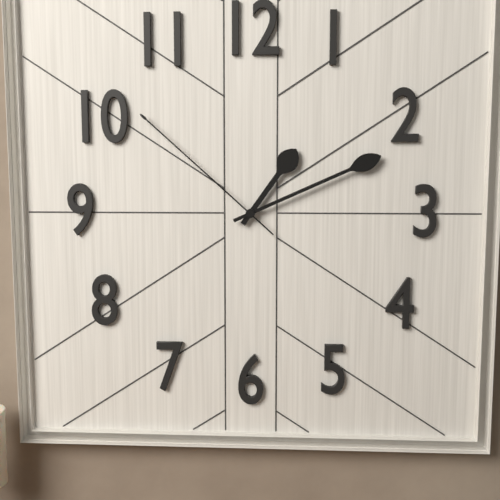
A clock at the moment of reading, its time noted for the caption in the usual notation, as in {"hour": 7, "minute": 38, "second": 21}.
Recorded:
{"hour": 1, "minute": 11, "second": 52}
